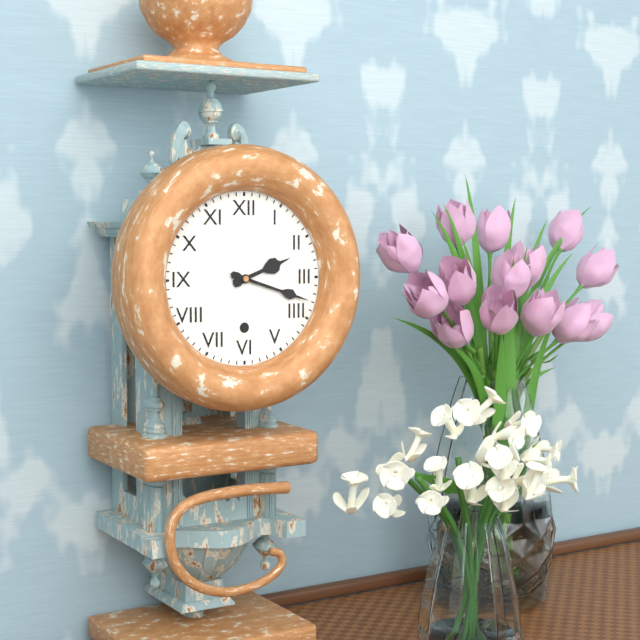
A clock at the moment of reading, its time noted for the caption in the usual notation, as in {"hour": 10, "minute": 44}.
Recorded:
{"hour": 2, "minute": 18}
